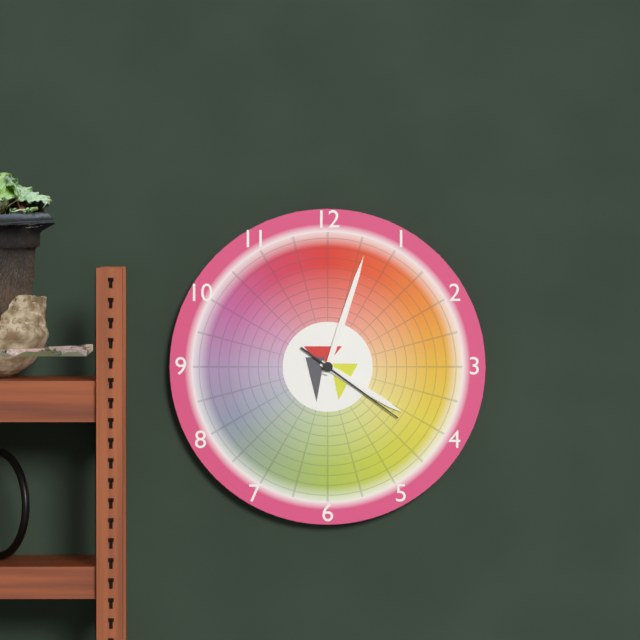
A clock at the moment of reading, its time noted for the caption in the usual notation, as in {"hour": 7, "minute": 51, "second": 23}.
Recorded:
{"hour": 4, "minute": 3, "second": 21}
